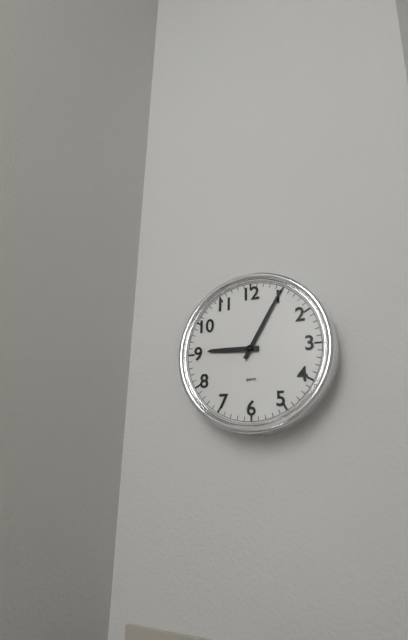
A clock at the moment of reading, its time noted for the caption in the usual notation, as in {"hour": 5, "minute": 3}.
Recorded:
{"hour": 9, "minute": 5}
